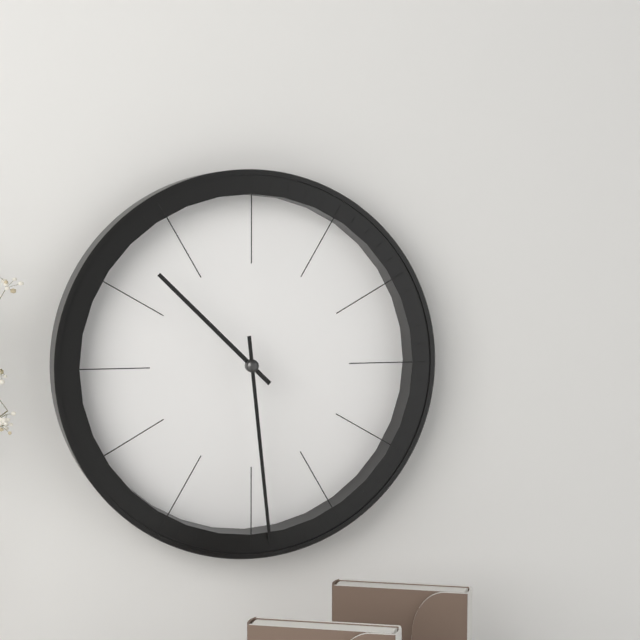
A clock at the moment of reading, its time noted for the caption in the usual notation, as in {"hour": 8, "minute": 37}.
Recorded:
{"hour": 10, "minute": 29}
